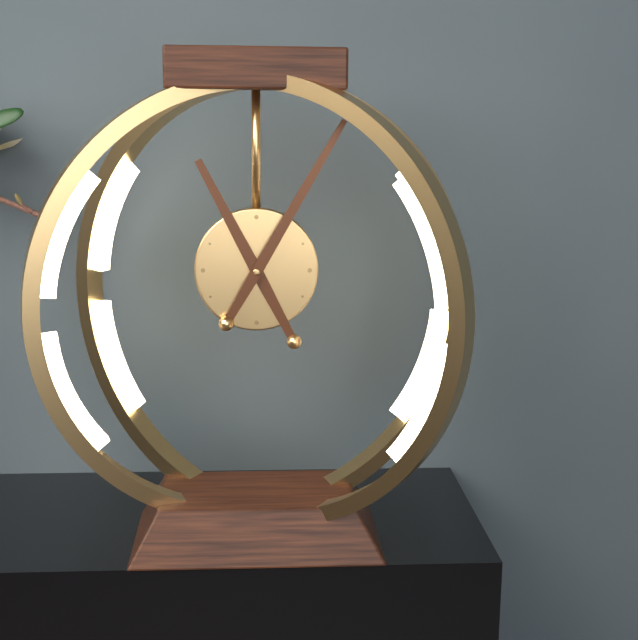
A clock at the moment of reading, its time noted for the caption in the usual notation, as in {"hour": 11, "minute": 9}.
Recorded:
{"hour": 11, "minute": 5}
